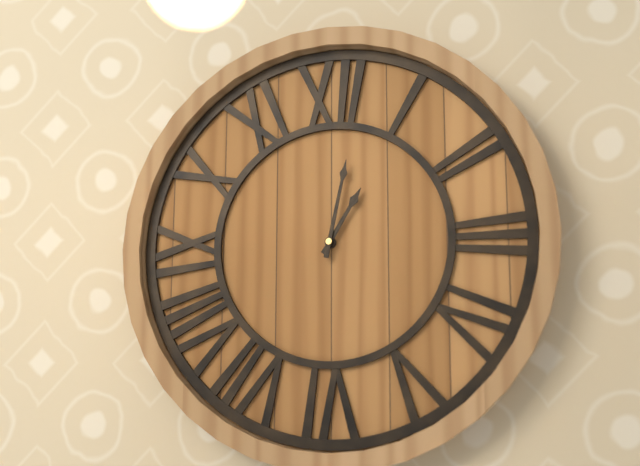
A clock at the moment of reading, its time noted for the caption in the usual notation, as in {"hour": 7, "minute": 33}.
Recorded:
{"hour": 1, "minute": 2}
